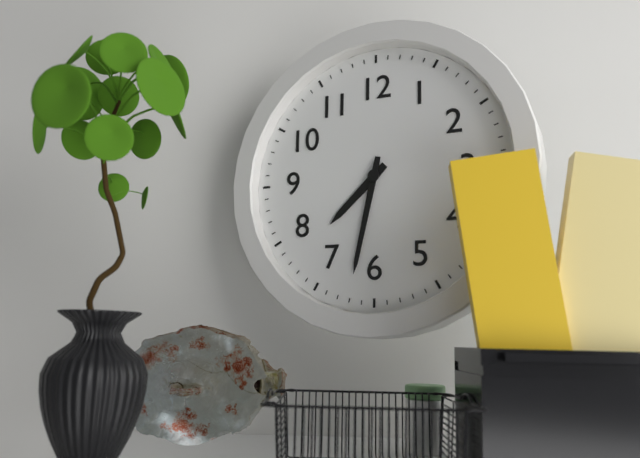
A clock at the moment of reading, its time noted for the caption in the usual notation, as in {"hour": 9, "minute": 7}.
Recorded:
{"hour": 7, "minute": 32}
